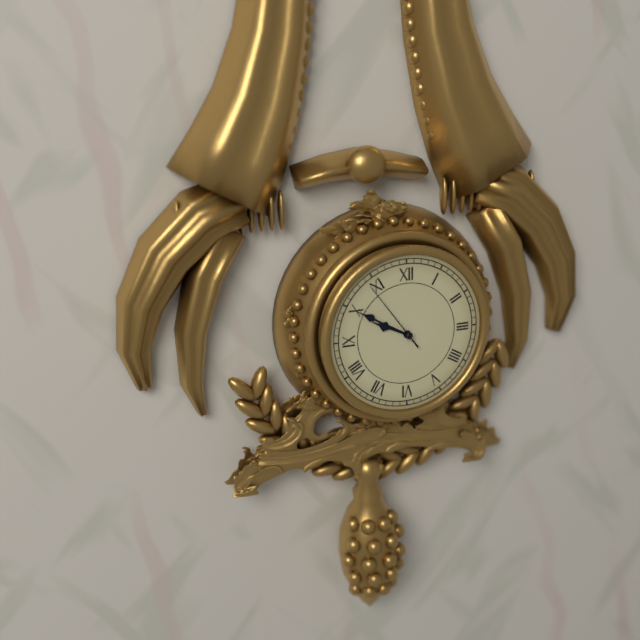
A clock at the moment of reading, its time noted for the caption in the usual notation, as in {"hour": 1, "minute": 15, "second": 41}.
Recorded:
{"hour": 9, "minute": 50, "second": 54}
